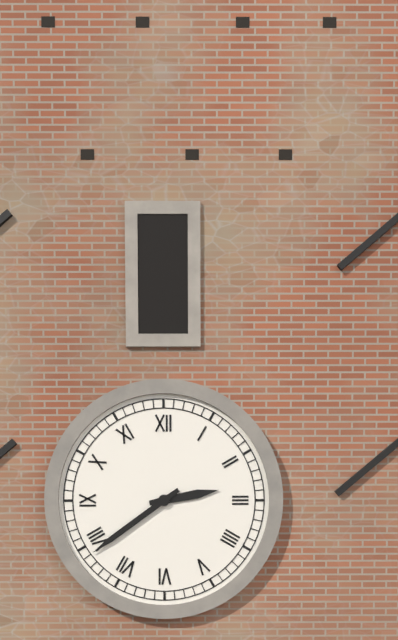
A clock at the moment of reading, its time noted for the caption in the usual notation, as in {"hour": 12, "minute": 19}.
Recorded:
{"hour": 2, "minute": 39}
